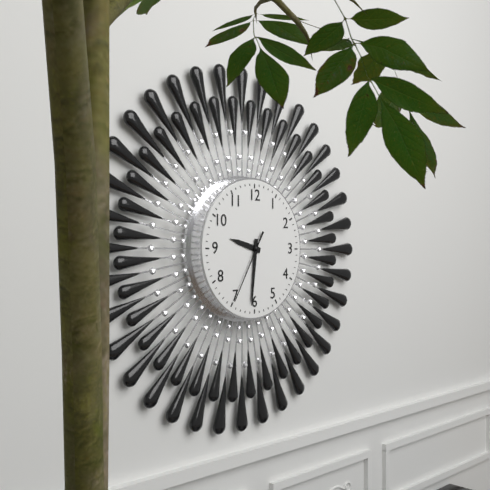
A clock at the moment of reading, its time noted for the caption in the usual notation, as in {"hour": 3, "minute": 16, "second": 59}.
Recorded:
{"hour": 9, "minute": 31, "second": 35}
